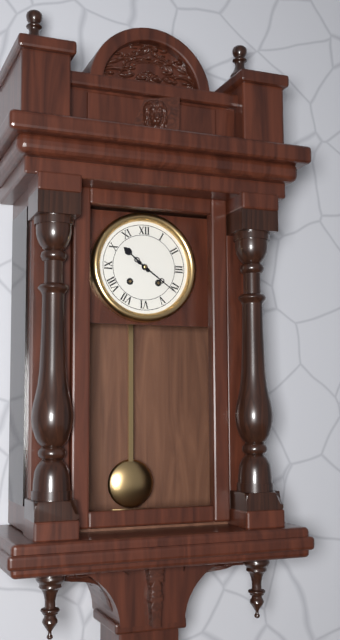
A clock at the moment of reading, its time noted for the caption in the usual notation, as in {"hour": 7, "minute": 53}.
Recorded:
{"hour": 10, "minute": 21}
